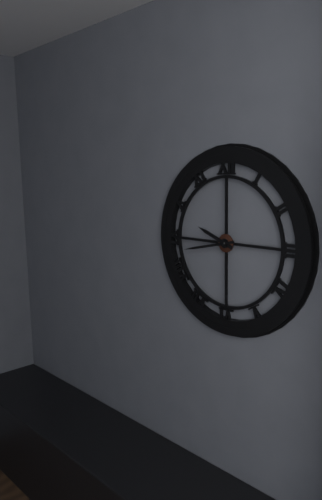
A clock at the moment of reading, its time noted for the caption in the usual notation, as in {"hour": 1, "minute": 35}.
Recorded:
{"hour": 9, "minute": 43}
